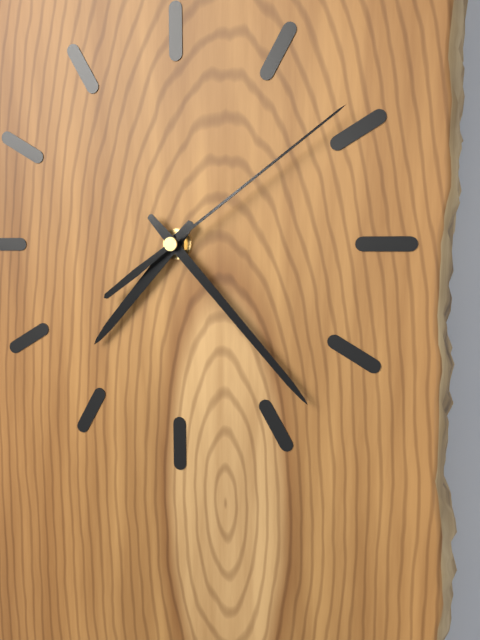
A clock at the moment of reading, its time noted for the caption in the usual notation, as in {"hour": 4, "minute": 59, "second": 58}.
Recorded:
{"hour": 7, "minute": 23, "second": 9}
